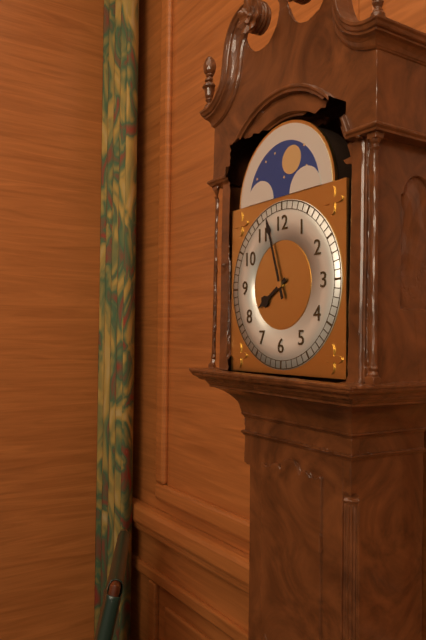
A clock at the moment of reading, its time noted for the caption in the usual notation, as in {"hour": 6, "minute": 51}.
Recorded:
{"hour": 7, "minute": 57}
